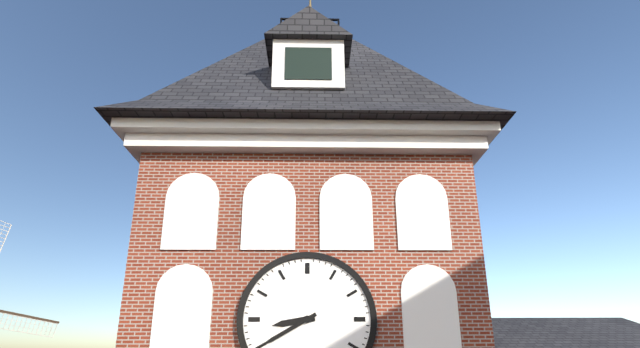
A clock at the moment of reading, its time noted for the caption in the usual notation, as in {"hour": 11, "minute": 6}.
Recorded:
{"hour": 8, "minute": 40}
